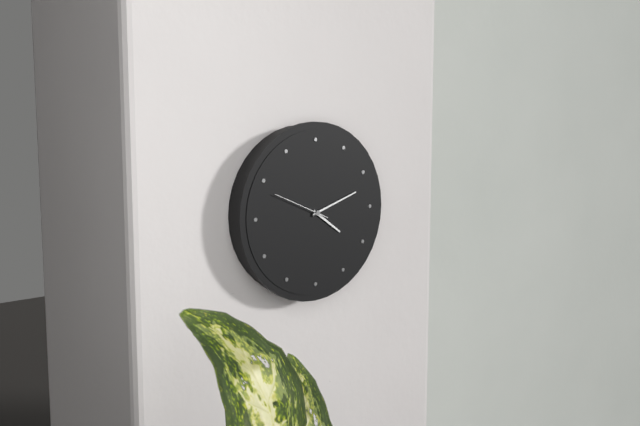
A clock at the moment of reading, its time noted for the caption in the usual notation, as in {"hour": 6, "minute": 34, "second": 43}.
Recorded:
{"hour": 4, "minute": 12, "second": 49}
